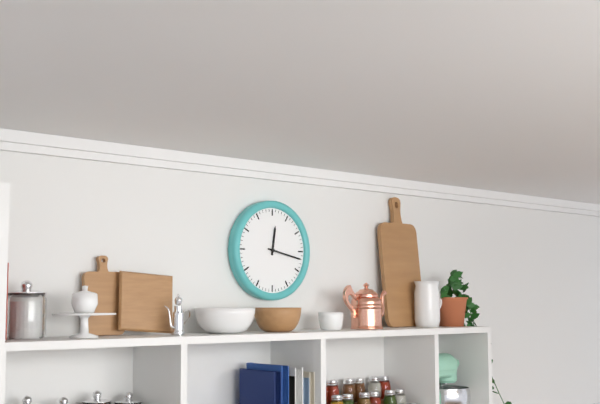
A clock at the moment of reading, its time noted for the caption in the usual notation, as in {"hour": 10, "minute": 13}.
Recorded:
{"hour": 12, "minute": 17}
